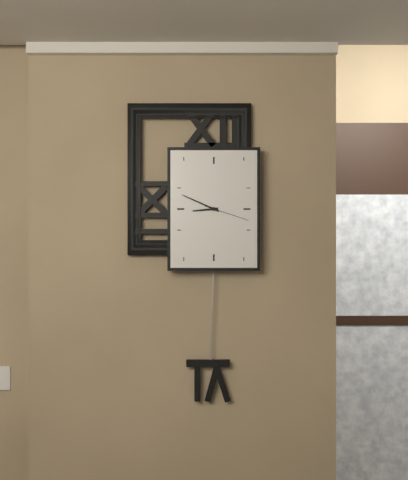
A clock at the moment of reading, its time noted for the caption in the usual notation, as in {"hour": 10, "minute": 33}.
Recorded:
{"hour": 8, "minute": 49}
